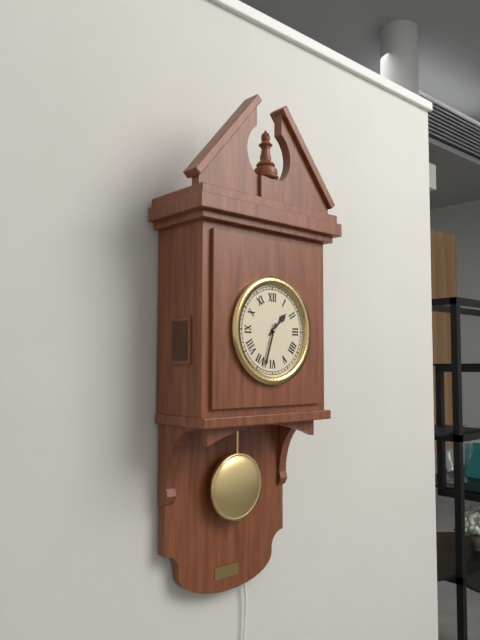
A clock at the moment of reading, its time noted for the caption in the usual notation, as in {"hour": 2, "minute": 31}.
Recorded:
{"hour": 1, "minute": 33}
